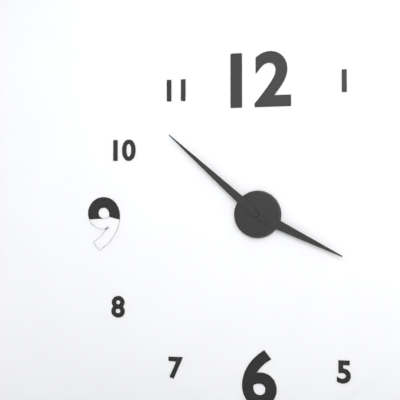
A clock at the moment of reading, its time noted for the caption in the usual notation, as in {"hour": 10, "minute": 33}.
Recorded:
{"hour": 3, "minute": 52}
